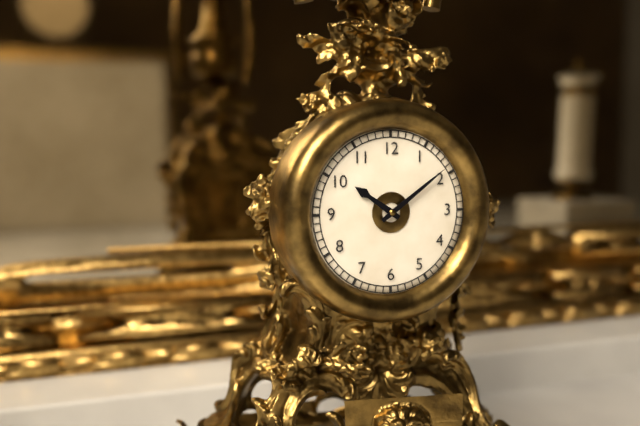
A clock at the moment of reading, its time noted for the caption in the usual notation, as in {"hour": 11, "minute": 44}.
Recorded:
{"hour": 10, "minute": 9}
